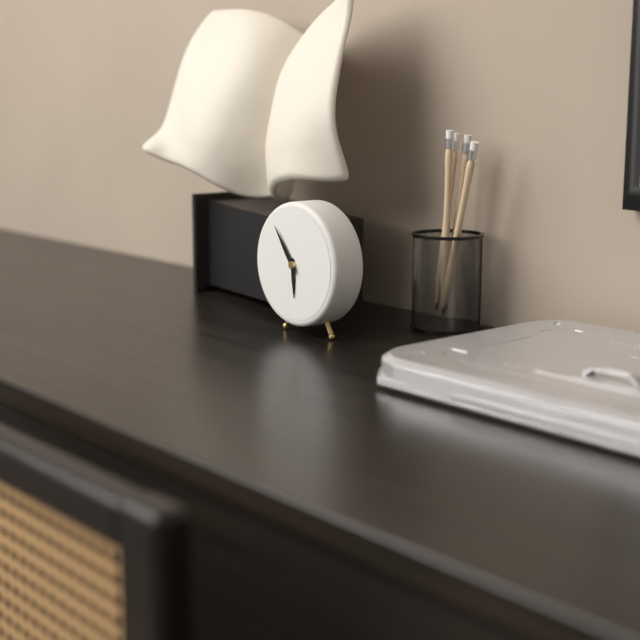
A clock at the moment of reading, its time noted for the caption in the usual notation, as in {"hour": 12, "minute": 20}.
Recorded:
{"hour": 5, "minute": 54}
